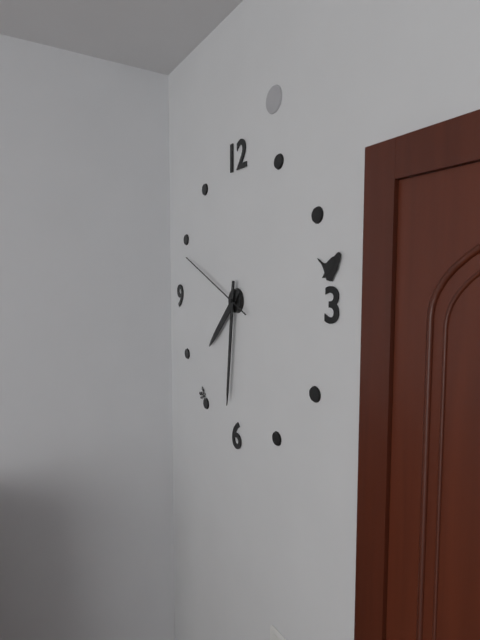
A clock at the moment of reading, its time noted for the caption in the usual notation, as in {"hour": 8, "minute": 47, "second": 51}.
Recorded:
{"hour": 7, "minute": 31, "second": 49}
